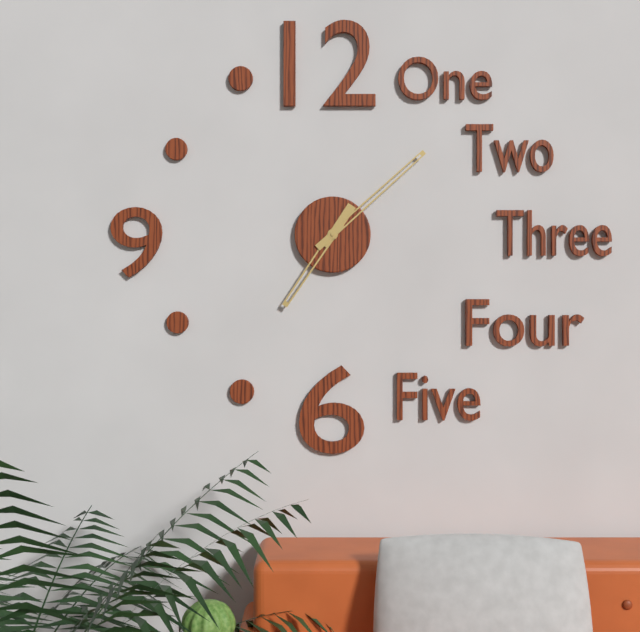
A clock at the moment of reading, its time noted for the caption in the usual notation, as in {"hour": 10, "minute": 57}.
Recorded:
{"hour": 7, "minute": 8}
